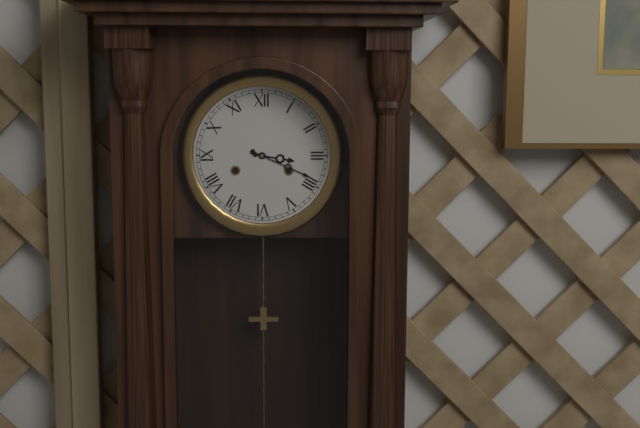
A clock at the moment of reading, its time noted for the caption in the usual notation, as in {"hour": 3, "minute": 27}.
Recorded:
{"hour": 3, "minute": 19}
